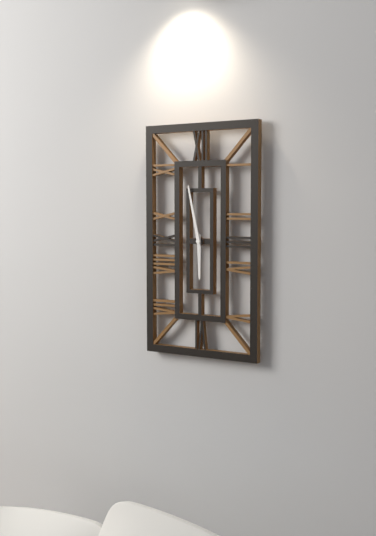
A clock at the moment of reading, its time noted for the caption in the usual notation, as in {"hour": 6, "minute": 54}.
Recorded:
{"hour": 5, "minute": 58}
